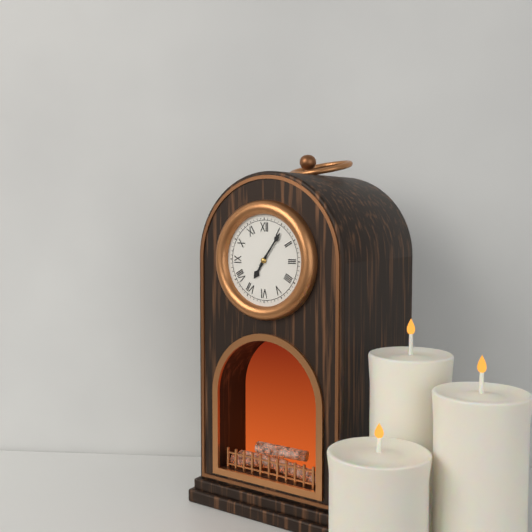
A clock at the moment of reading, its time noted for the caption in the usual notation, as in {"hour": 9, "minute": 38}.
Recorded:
{"hour": 7, "minute": 6}
